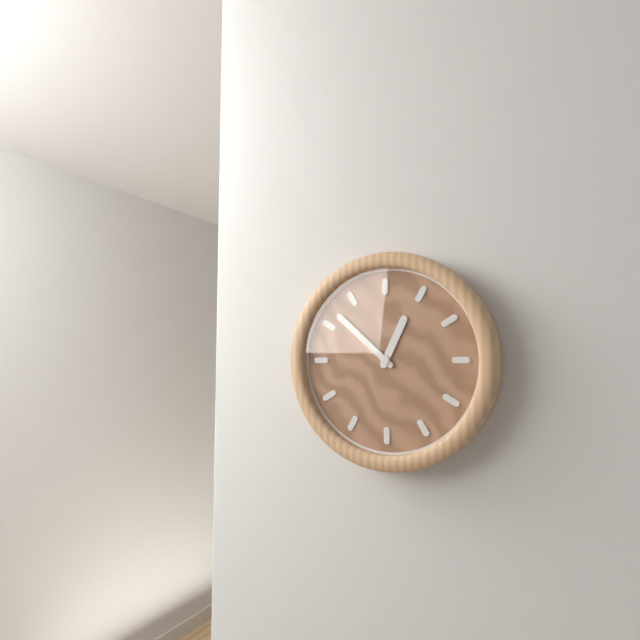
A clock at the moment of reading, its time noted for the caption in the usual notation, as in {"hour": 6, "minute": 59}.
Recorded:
{"hour": 12, "minute": 52}
